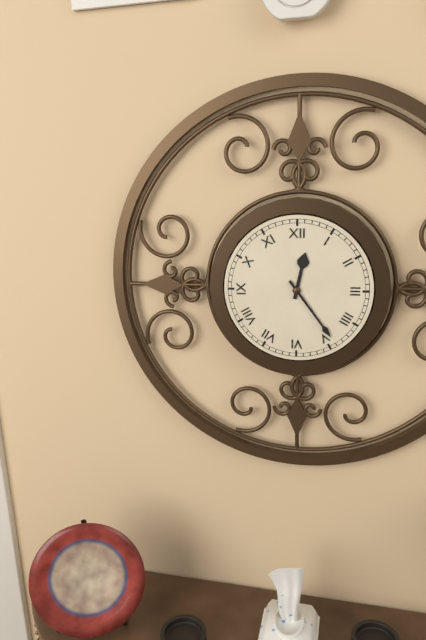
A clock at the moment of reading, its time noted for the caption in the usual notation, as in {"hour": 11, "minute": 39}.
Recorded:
{"hour": 12, "minute": 24}
